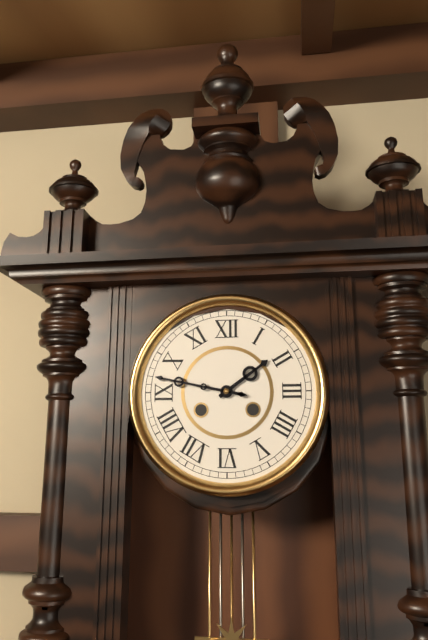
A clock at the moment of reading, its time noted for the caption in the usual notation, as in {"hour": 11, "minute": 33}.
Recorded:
{"hour": 1, "minute": 47}
